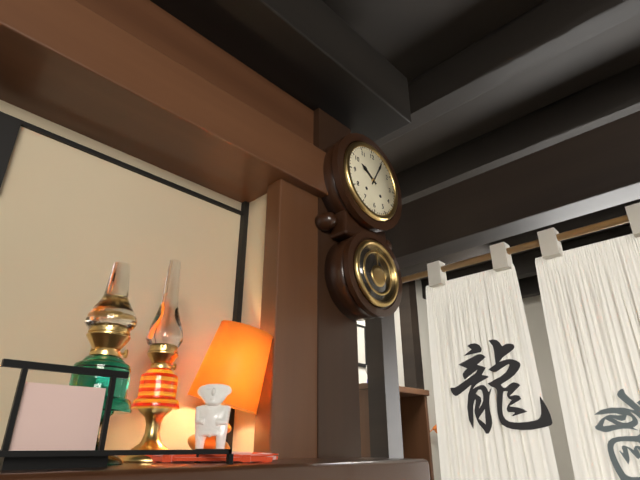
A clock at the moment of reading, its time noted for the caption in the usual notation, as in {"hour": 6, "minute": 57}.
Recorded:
{"hour": 10, "minute": 5}
